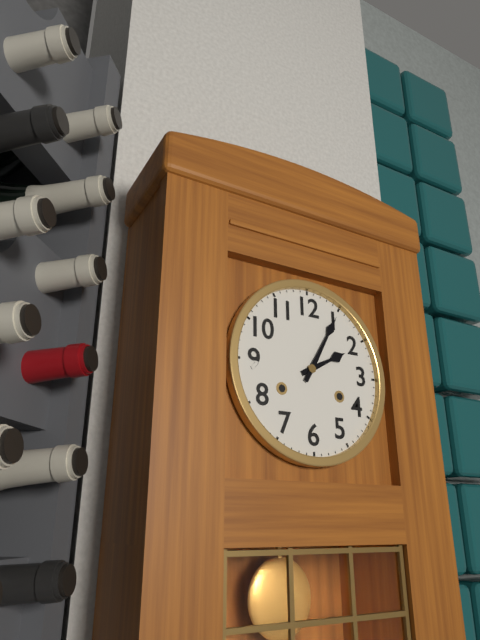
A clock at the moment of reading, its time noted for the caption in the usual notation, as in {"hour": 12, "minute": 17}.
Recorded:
{"hour": 2, "minute": 5}
